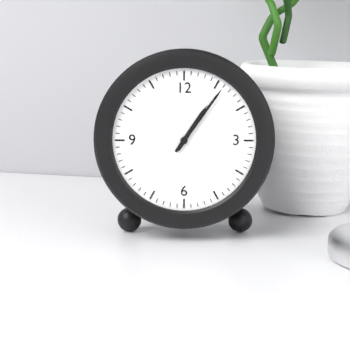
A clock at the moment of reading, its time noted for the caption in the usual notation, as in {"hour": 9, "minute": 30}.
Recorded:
{"hour": 1, "minute": 6}
